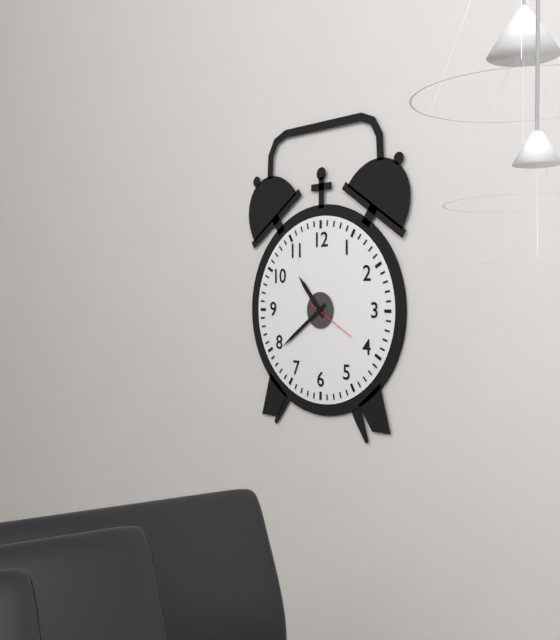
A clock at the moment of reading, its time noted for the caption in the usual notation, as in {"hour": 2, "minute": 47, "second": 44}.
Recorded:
{"hour": 10, "minute": 39, "second": 20}
